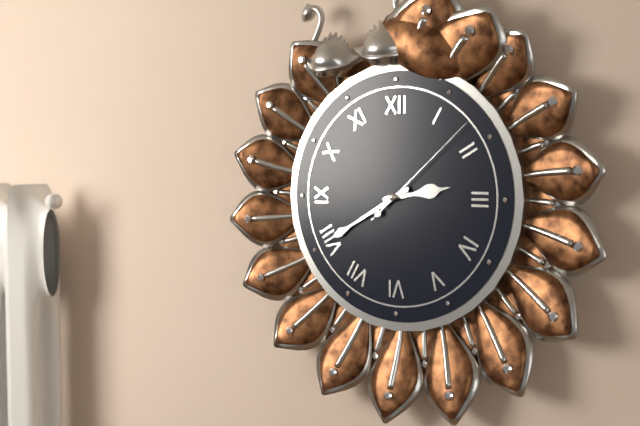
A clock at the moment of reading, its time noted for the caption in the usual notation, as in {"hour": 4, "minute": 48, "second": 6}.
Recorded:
{"hour": 2, "minute": 40, "second": 8}
